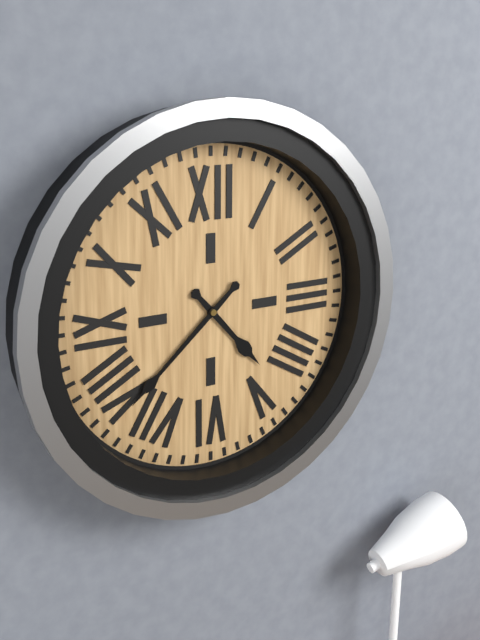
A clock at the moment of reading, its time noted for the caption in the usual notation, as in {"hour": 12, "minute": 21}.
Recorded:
{"hour": 4, "minute": 38}
